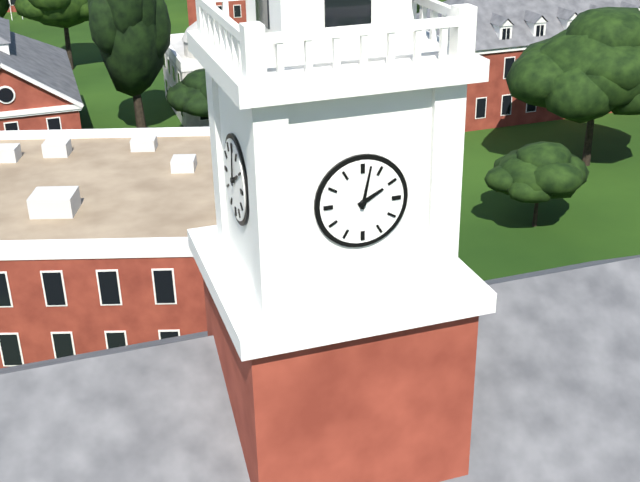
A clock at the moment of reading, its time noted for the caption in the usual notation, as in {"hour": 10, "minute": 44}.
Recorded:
{"hour": 2, "minute": 2}
